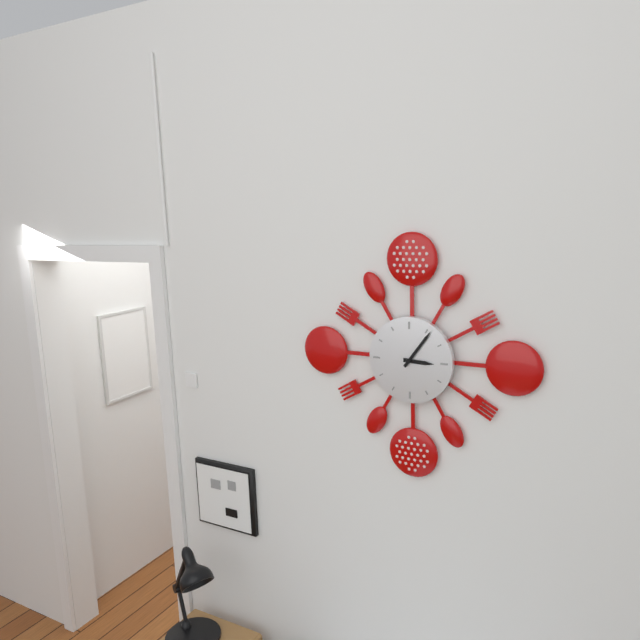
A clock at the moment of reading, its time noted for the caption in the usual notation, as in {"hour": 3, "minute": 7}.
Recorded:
{"hour": 3, "minute": 6}
